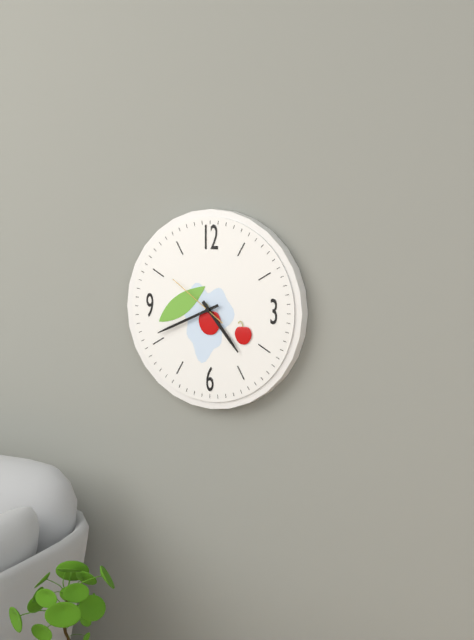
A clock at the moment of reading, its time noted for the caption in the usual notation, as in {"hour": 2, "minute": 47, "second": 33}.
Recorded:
{"hour": 4, "minute": 41, "second": 51}
